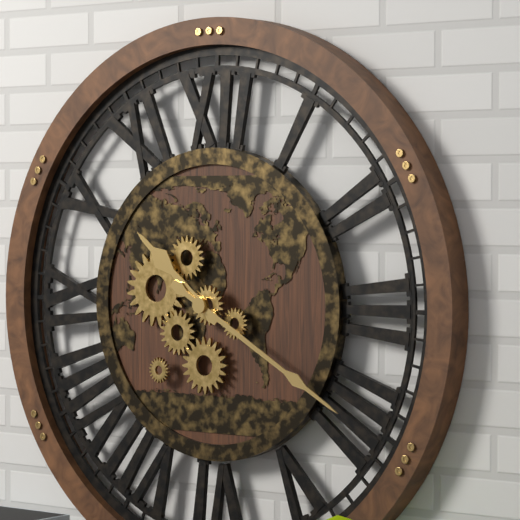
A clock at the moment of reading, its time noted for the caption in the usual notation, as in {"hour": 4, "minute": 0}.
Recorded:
{"hour": 10, "minute": 20}
